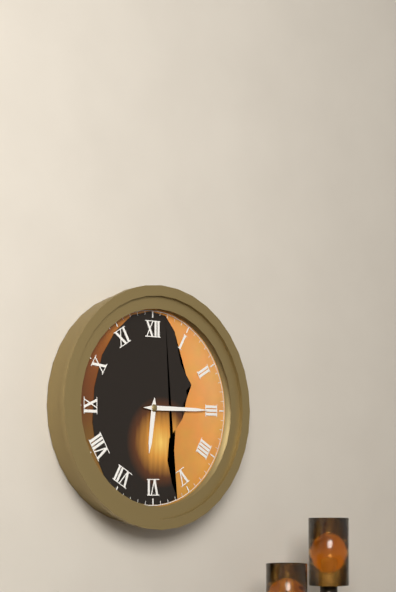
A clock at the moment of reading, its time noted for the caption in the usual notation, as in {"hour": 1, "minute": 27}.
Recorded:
{"hour": 6, "minute": 15}
